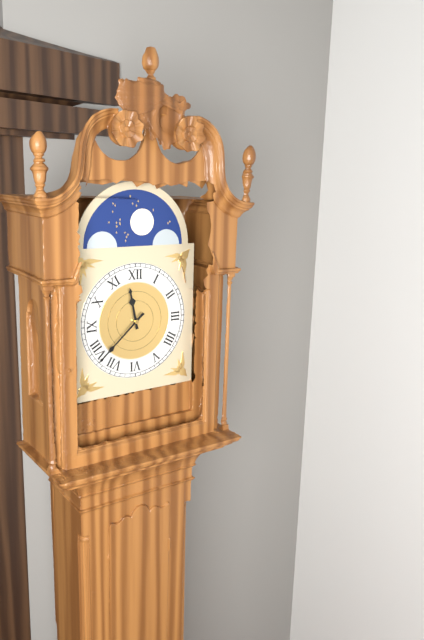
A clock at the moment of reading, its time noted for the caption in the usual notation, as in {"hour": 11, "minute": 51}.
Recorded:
{"hour": 11, "minute": 38}
